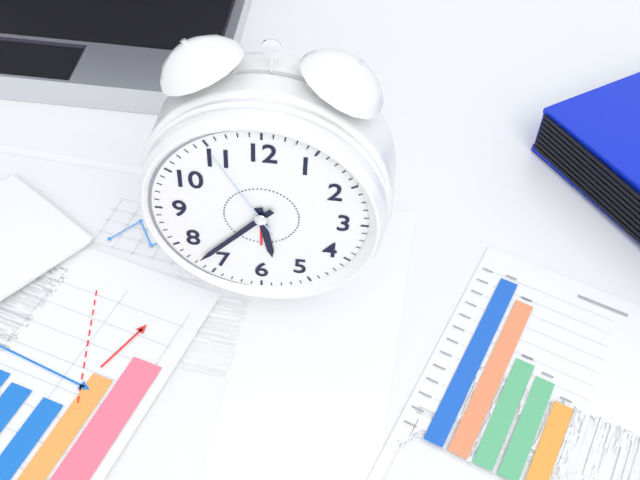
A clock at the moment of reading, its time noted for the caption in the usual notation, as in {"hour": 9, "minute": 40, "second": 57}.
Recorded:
{"hour": 5, "minute": 37, "second": 55}
